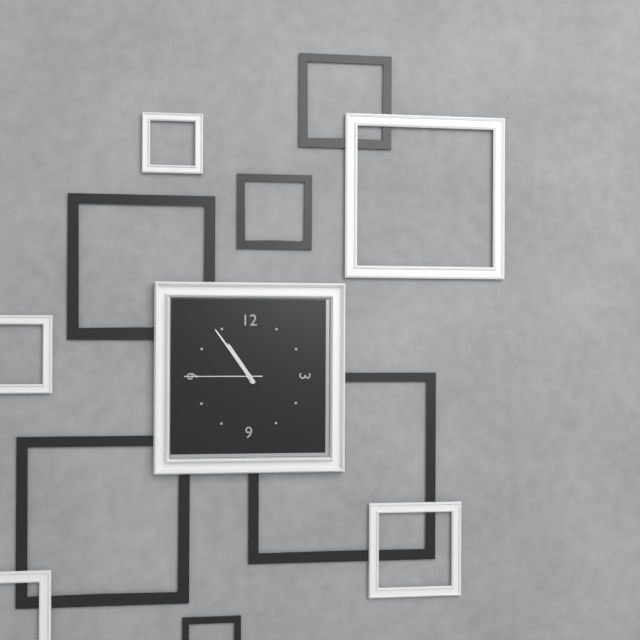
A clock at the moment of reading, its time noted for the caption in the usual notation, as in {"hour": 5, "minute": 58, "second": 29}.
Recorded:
{"hour": 10, "minute": 54, "second": 45}
